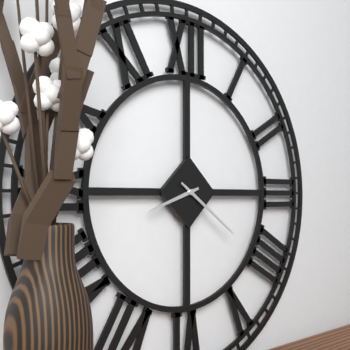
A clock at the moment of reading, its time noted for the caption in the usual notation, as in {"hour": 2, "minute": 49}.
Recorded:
{"hour": 8, "minute": 21}
